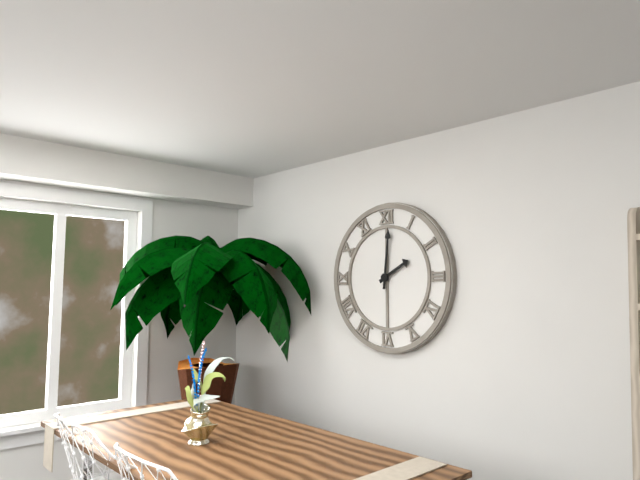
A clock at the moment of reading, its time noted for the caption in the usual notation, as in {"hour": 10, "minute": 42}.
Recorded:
{"hour": 2, "minute": 1}
